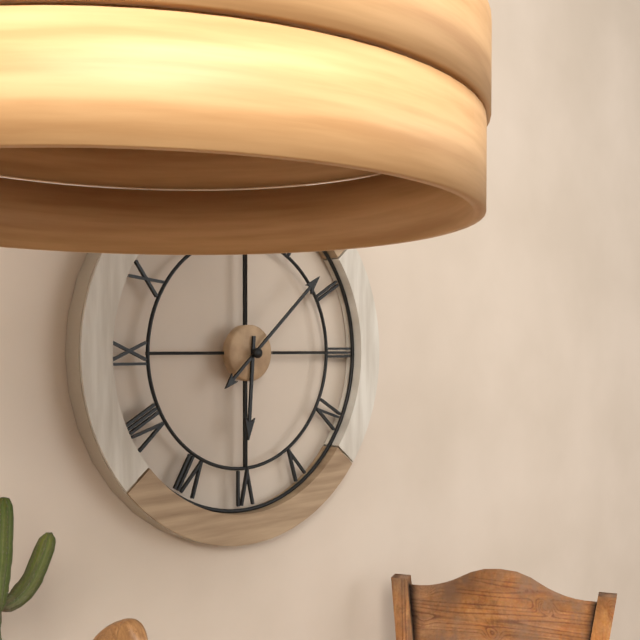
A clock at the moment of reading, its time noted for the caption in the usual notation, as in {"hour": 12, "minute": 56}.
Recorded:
{"hour": 6, "minute": 8}
